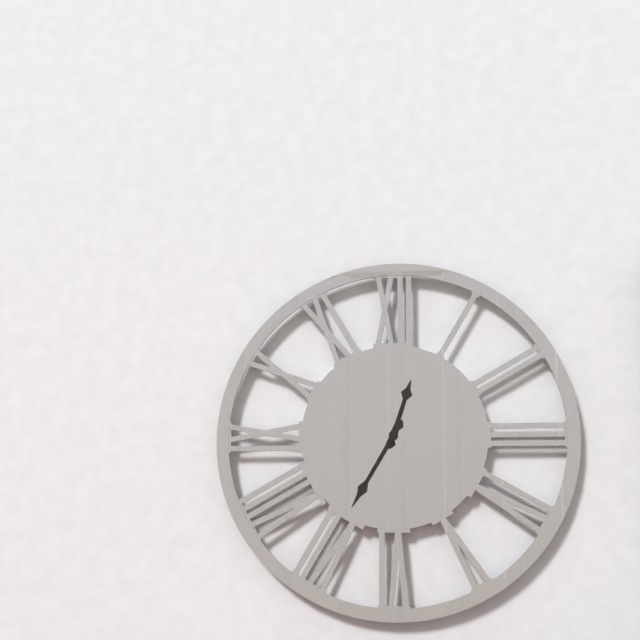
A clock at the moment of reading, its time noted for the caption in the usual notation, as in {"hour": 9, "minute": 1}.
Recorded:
{"hour": 12, "minute": 35}
